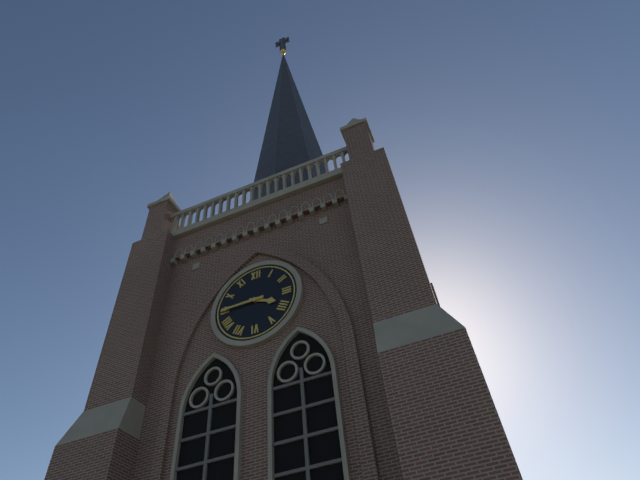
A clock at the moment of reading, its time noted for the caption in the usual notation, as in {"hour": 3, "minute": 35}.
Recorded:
{"hour": 3, "minute": 45}
